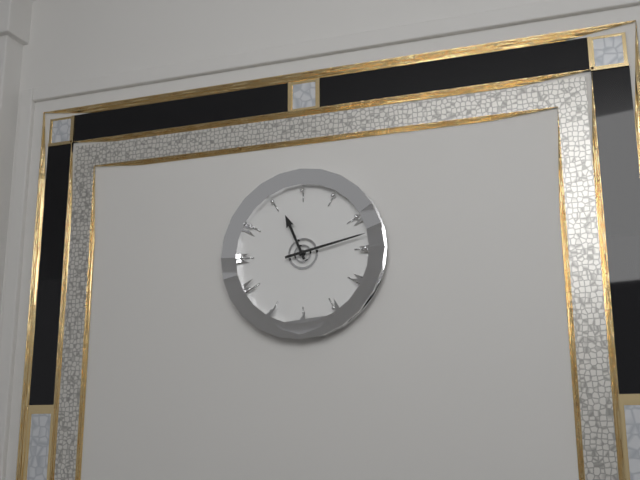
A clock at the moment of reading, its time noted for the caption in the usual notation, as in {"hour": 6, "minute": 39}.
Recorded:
{"hour": 11, "minute": 13}
